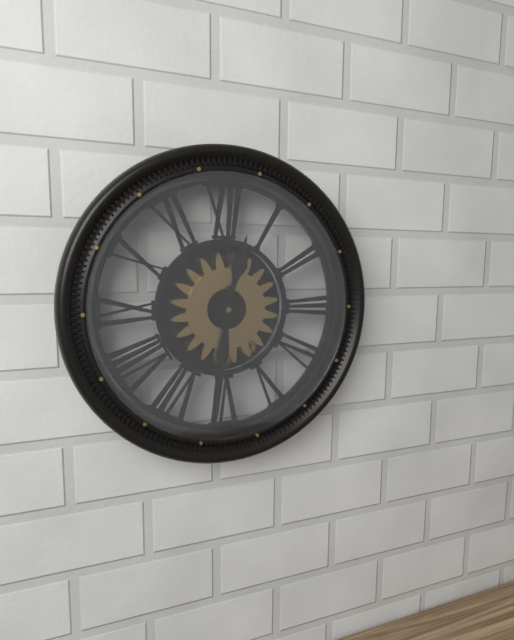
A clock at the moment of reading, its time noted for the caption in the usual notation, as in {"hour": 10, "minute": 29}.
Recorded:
{"hour": 12, "minute": 31}
